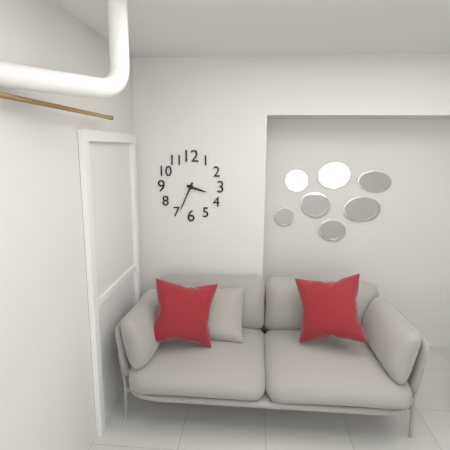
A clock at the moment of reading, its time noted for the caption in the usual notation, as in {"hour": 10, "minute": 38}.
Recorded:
{"hour": 3, "minute": 34}
